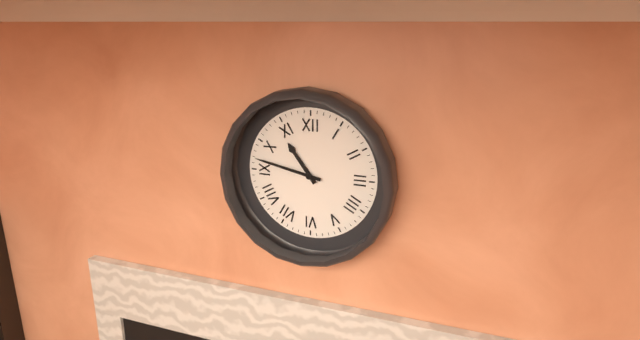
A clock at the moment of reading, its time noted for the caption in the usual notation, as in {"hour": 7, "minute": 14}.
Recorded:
{"hour": 10, "minute": 47}
